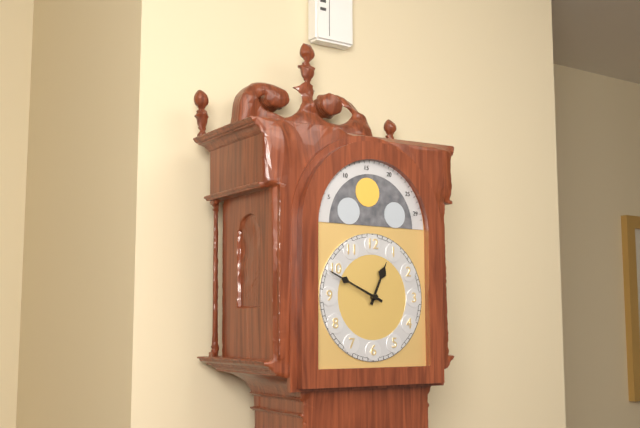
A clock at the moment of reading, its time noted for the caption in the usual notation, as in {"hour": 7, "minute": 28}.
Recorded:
{"hour": 12, "minute": 49}
